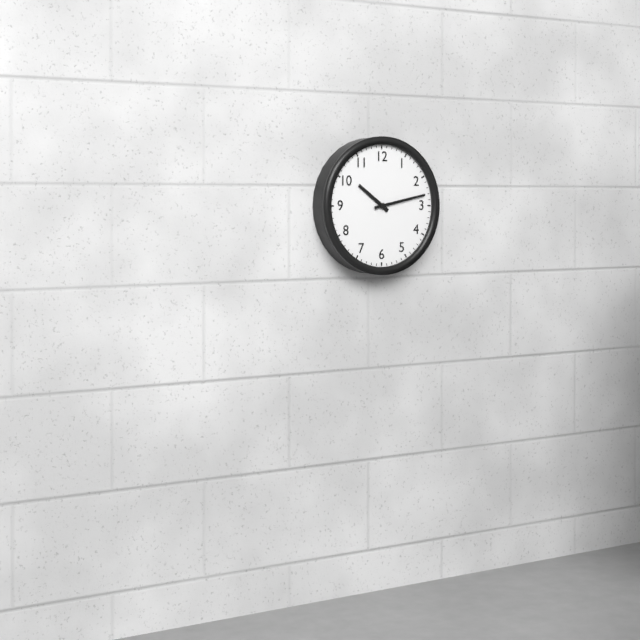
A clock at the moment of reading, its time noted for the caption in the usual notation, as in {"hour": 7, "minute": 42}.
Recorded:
{"hour": 10, "minute": 13}
